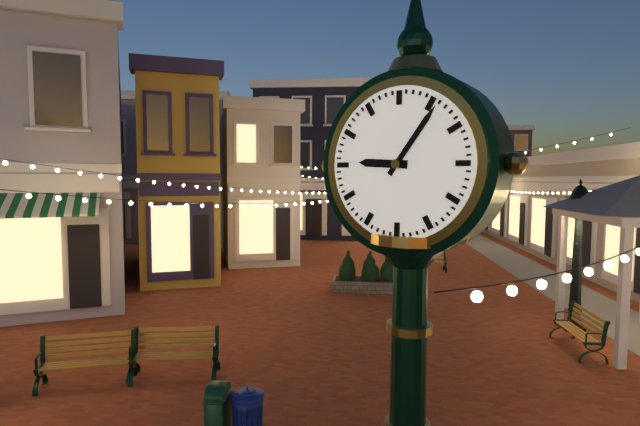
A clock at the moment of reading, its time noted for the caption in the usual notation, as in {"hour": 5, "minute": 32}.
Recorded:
{"hour": 9, "minute": 6}
